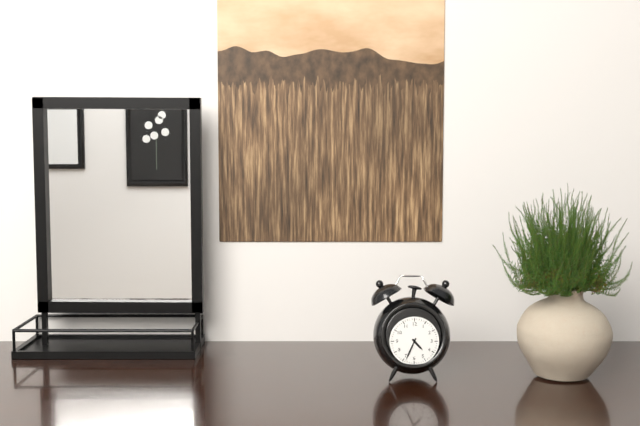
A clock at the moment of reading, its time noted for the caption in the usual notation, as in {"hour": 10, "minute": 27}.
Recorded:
{"hour": 4, "minute": 34}
